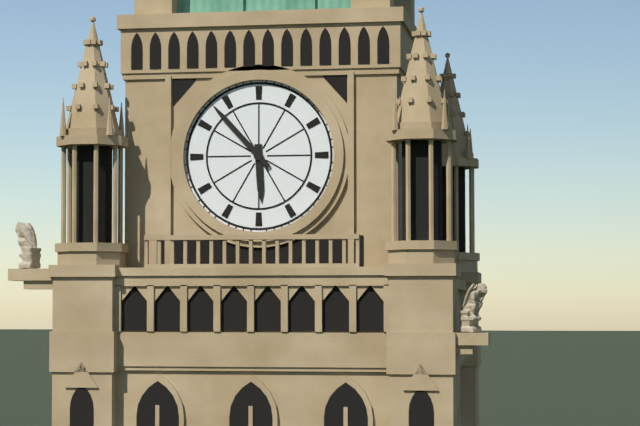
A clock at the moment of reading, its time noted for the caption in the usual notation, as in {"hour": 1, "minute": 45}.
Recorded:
{"hour": 5, "minute": 53}
